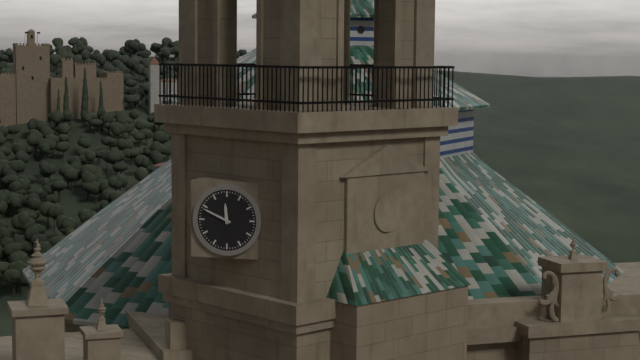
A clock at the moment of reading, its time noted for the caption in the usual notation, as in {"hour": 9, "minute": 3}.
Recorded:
{"hour": 11, "minute": 49}
